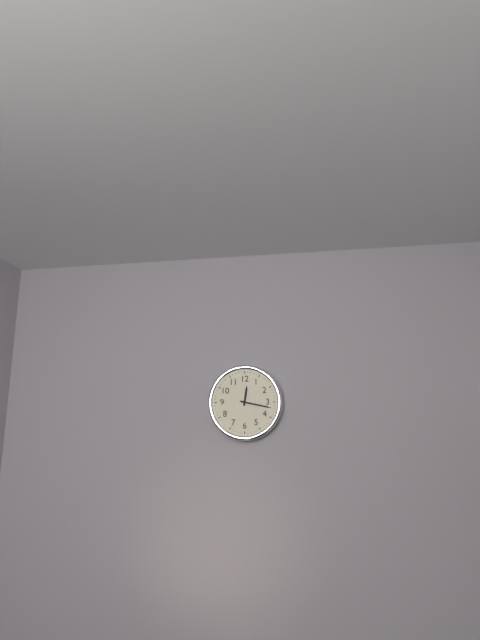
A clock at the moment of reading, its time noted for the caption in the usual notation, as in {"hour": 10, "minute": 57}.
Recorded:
{"hour": 12, "minute": 17}
